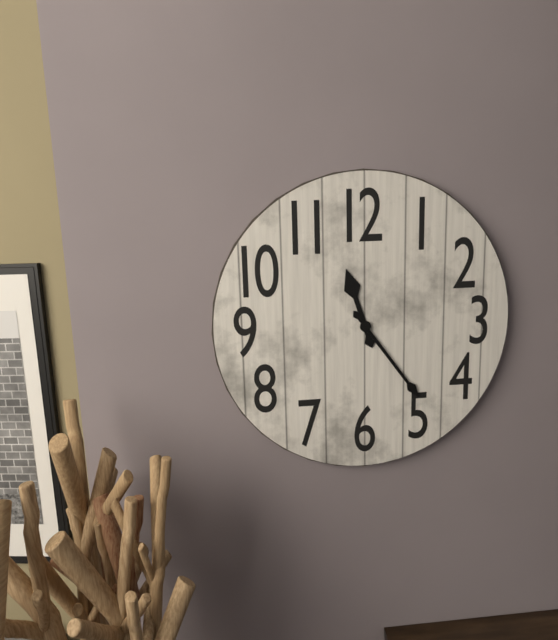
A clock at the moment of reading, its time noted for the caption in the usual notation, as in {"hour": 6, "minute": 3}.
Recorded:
{"hour": 11, "minute": 24}
